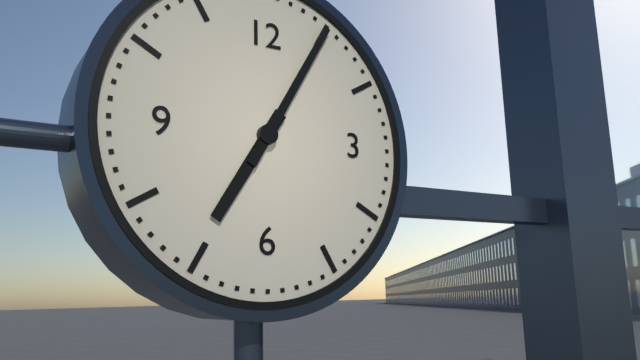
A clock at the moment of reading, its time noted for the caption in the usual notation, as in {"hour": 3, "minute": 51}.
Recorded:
{"hour": 7, "minute": 5}
